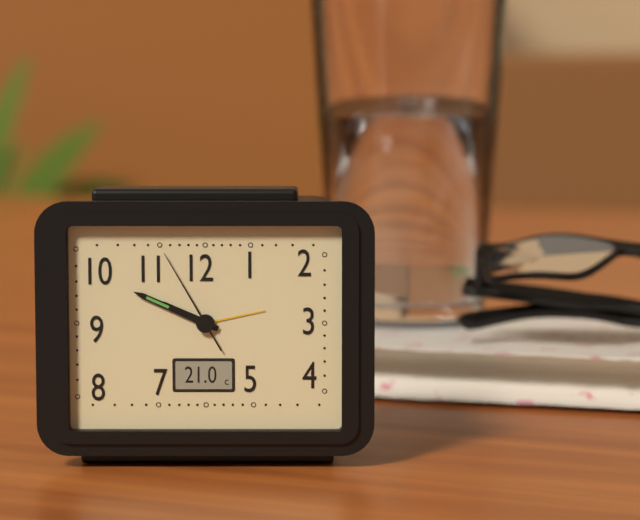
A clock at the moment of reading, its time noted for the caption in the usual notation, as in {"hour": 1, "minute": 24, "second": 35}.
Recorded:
{"hour": 9, "minute": 49, "second": 55}
